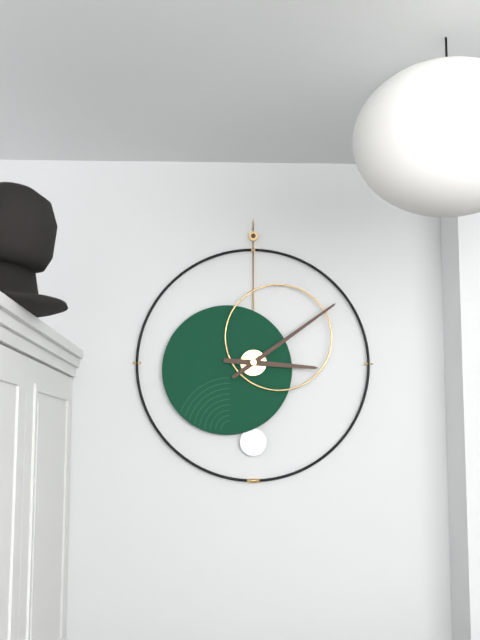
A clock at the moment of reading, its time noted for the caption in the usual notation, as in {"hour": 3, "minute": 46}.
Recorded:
{"hour": 3, "minute": 9}
